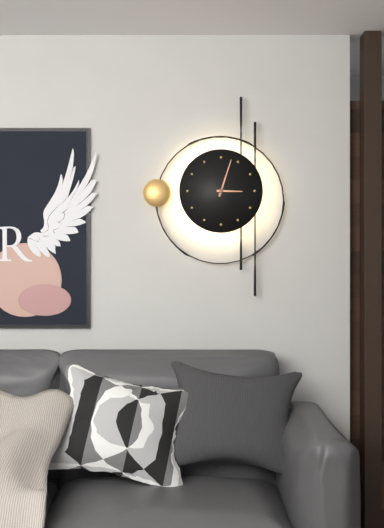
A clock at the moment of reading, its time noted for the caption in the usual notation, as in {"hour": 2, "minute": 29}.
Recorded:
{"hour": 3, "minute": 3}
